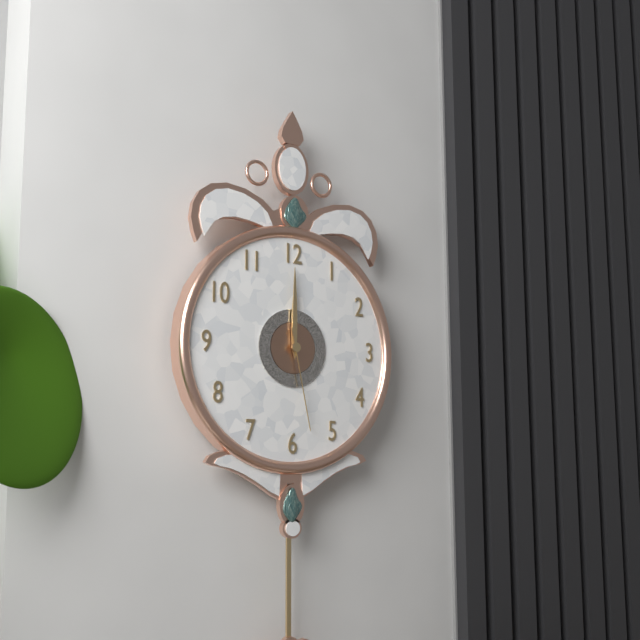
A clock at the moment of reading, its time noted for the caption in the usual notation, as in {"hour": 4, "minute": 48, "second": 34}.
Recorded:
{"hour": 12, "minute": 0, "second": 28}
